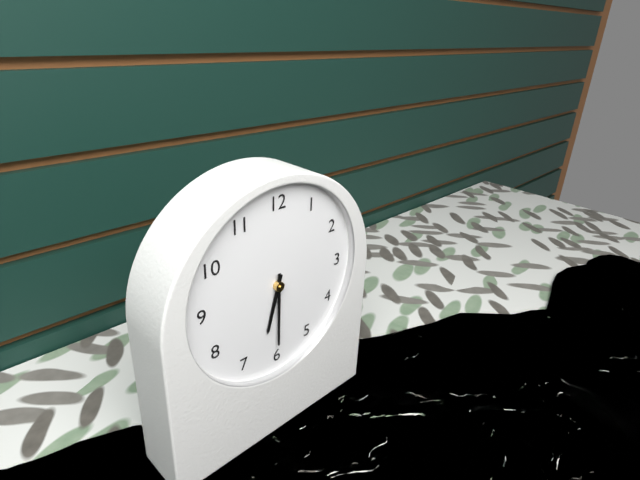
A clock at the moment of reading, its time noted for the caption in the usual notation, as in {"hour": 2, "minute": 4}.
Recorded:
{"hour": 6, "minute": 30}
